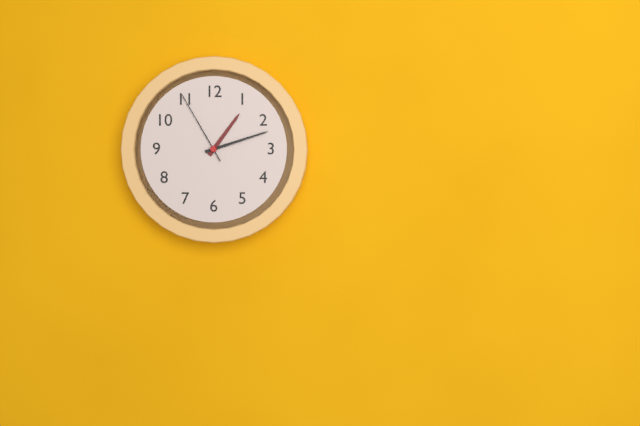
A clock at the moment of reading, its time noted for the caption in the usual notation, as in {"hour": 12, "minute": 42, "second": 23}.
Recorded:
{"hour": 1, "minute": 12, "second": 55}
